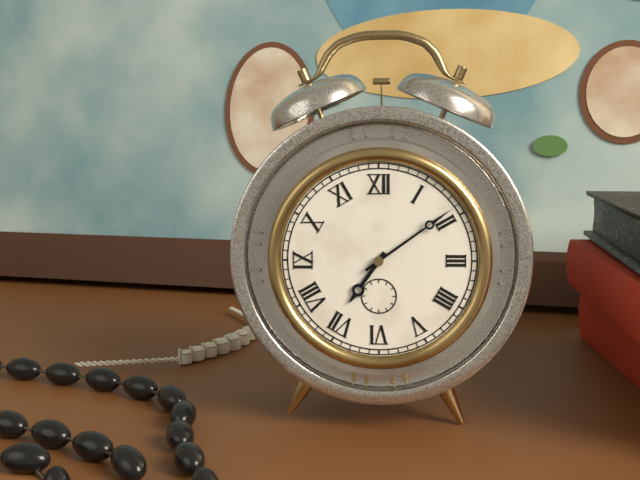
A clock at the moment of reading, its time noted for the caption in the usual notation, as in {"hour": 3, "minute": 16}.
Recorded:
{"hour": 7, "minute": 9}
